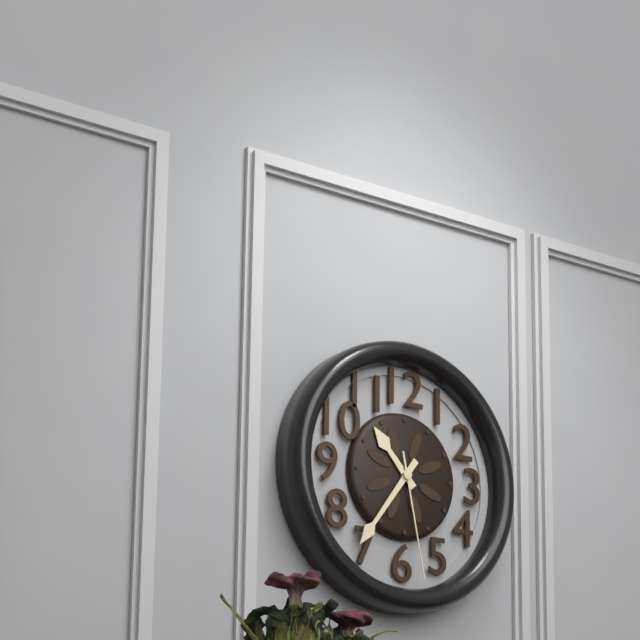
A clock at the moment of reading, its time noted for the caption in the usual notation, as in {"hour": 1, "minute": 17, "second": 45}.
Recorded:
{"hour": 10, "minute": 36, "second": 28}
